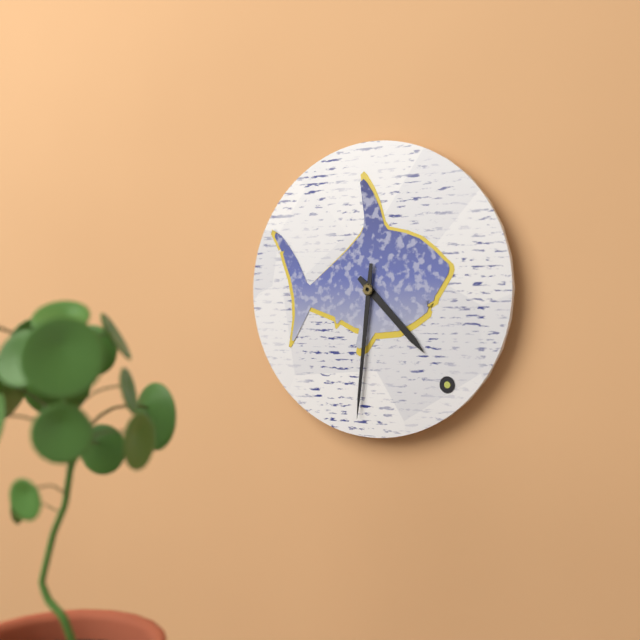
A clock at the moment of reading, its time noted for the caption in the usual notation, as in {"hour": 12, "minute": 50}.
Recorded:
{"hour": 4, "minute": 31}
